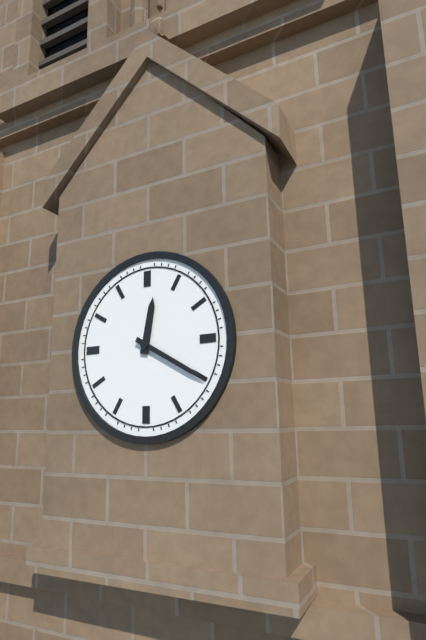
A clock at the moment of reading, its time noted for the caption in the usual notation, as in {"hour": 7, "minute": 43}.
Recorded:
{"hour": 12, "minute": 20}
